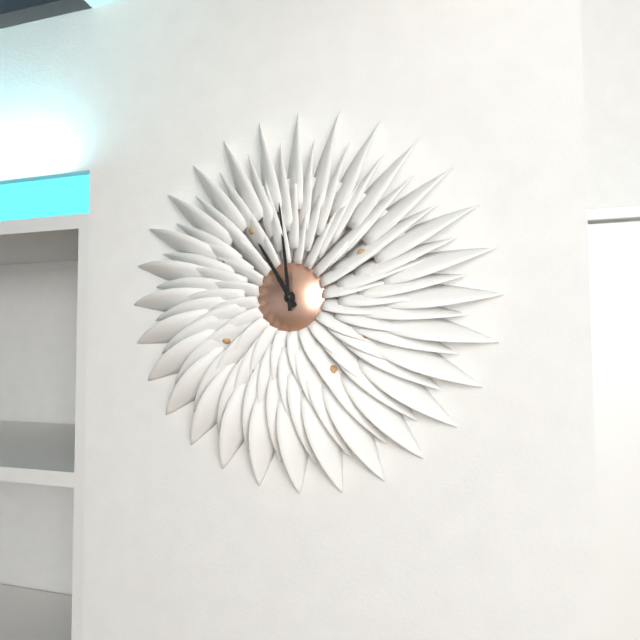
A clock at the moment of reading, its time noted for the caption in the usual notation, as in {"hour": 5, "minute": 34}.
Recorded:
{"hour": 10, "minute": 59}
